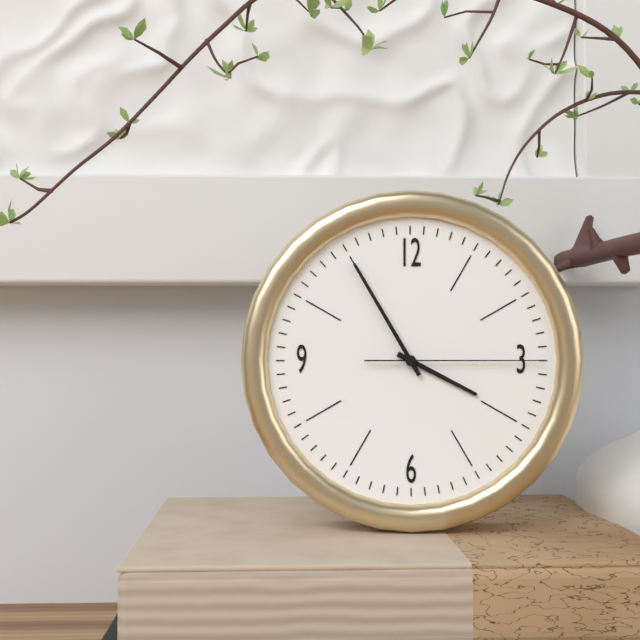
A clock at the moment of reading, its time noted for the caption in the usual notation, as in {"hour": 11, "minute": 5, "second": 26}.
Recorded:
{"hour": 3, "minute": 55, "second": 15}
